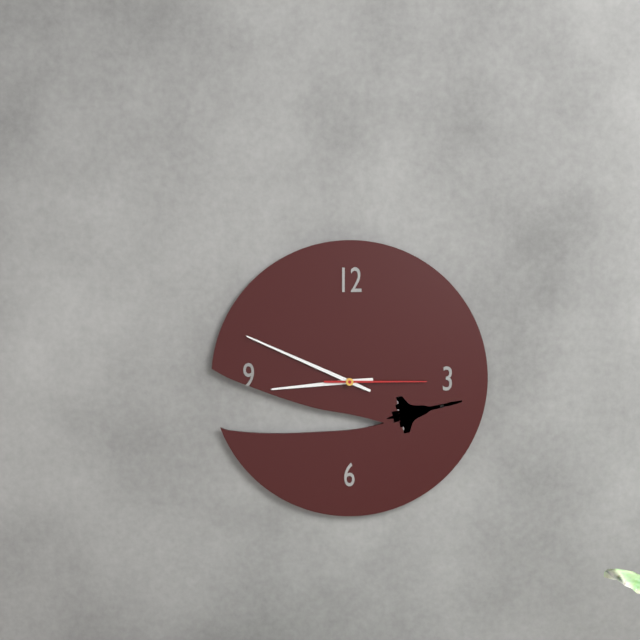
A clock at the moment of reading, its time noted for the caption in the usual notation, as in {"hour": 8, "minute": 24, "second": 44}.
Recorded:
{"hour": 8, "minute": 49, "second": 15}
